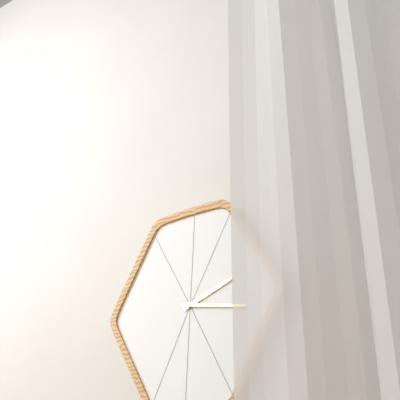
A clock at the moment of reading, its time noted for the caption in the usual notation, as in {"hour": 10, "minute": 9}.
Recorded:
{"hour": 2, "minute": 17}
